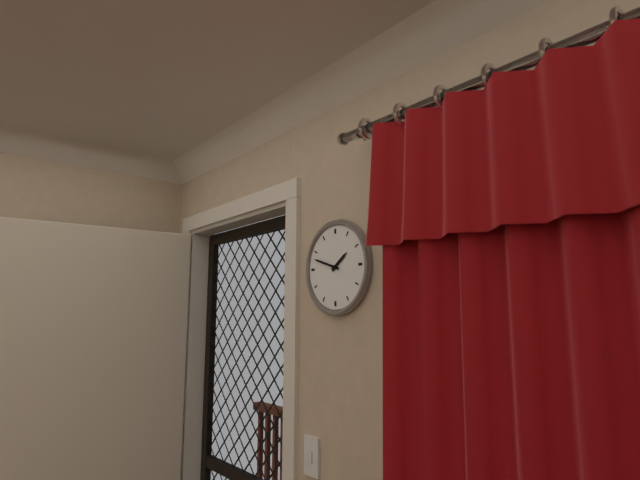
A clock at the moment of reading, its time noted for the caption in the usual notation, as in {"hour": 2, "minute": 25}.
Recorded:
{"hour": 1, "minute": 48}
